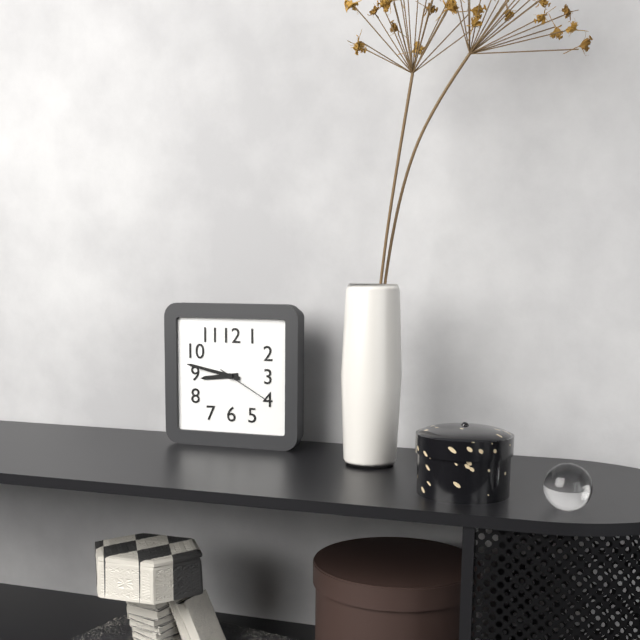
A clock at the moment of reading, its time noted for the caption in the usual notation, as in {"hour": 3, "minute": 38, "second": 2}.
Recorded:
{"hour": 8, "minute": 47, "second": 20}
